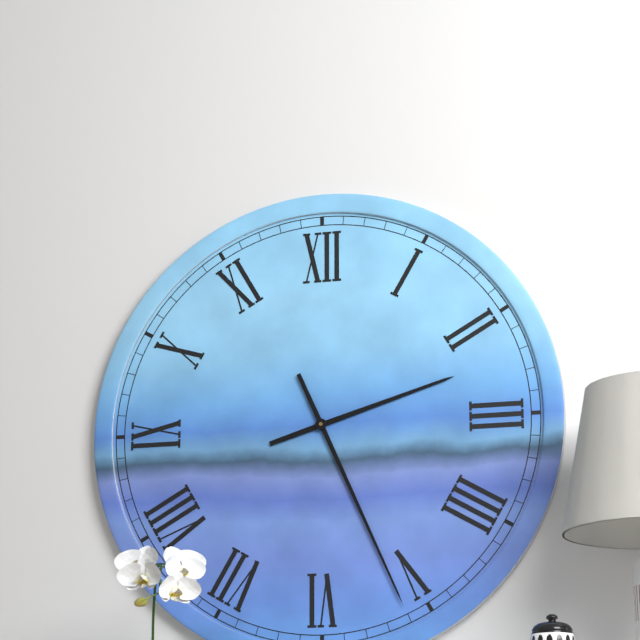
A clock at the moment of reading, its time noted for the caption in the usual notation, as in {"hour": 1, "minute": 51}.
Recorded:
{"hour": 2, "minute": 26}
